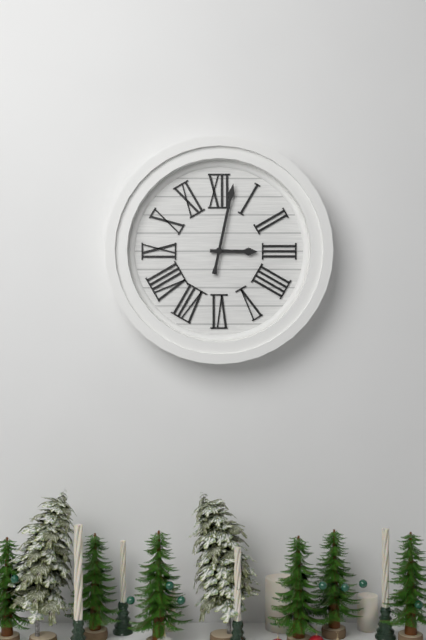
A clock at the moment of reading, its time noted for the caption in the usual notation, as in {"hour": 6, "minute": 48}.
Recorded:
{"hour": 3, "minute": 2}
